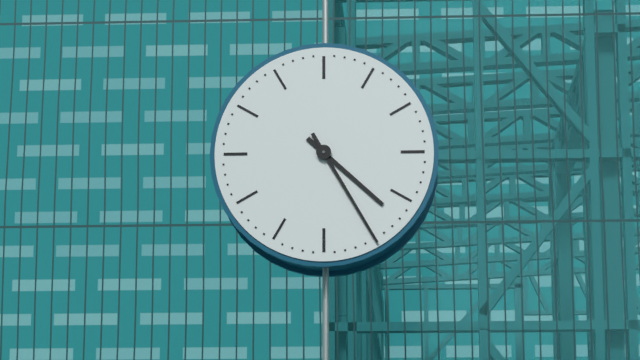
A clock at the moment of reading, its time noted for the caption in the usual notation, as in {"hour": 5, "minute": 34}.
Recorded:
{"hour": 4, "minute": 25}
